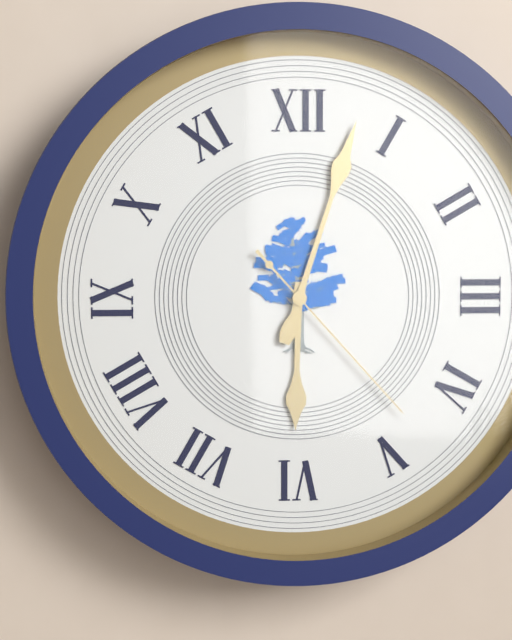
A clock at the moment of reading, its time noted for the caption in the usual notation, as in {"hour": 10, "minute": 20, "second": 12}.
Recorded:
{"hour": 6, "minute": 3, "second": 23}
